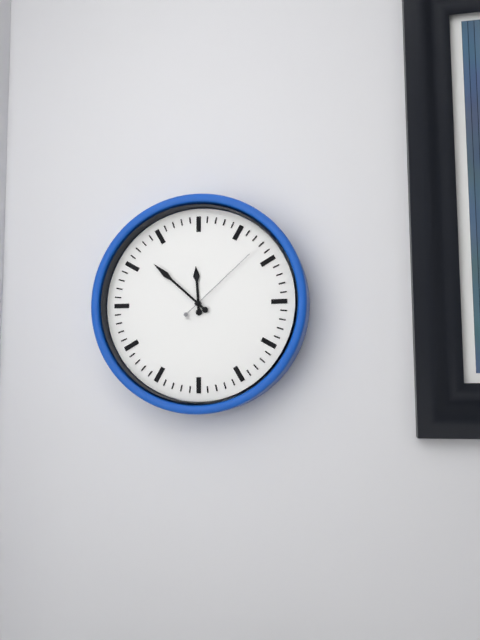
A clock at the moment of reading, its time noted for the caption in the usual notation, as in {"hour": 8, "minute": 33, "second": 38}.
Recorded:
{"hour": 11, "minute": 52, "second": 8}
